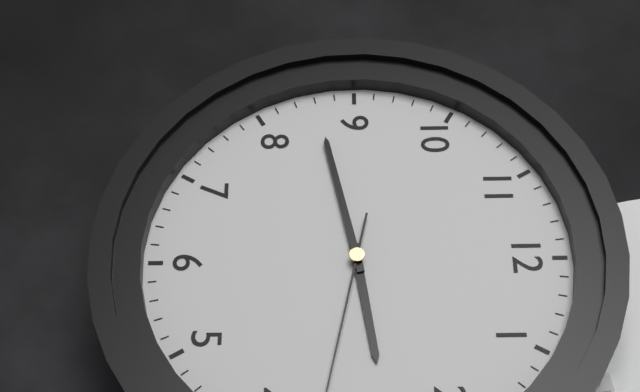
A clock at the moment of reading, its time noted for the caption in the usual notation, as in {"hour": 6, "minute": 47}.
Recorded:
{"hour": 2, "minute": 43}
